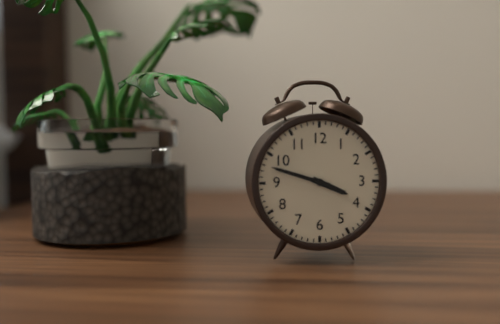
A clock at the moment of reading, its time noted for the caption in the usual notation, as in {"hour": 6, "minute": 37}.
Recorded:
{"hour": 3, "minute": 48}
